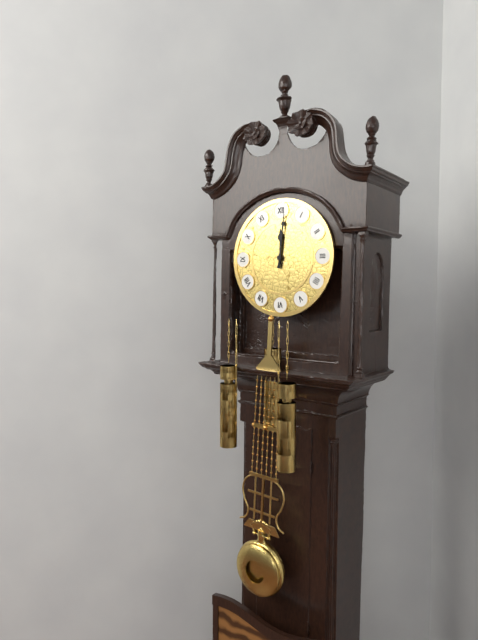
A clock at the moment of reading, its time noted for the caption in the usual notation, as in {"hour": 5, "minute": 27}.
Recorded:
{"hour": 12, "minute": 1}
